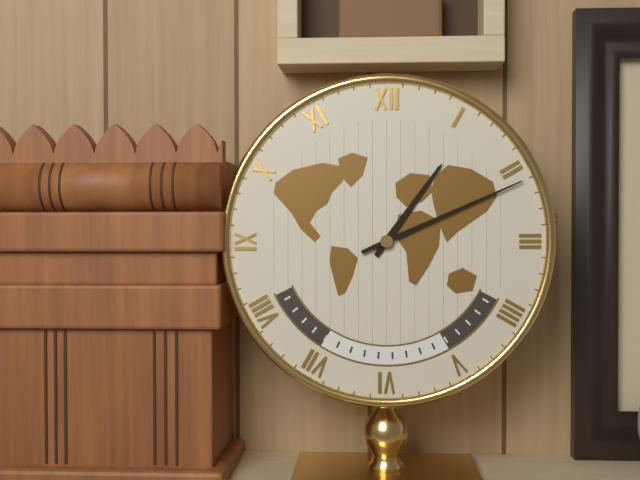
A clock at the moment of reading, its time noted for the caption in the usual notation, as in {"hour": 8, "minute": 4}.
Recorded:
{"hour": 1, "minute": 11}
